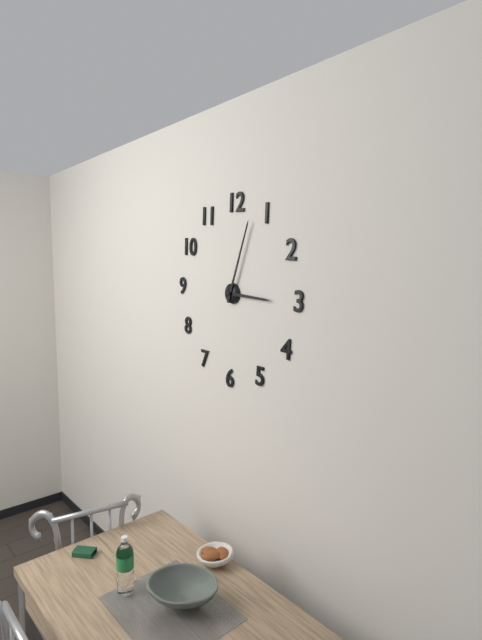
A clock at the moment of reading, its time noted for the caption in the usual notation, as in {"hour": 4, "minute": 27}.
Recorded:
{"hour": 3, "minute": 3}
